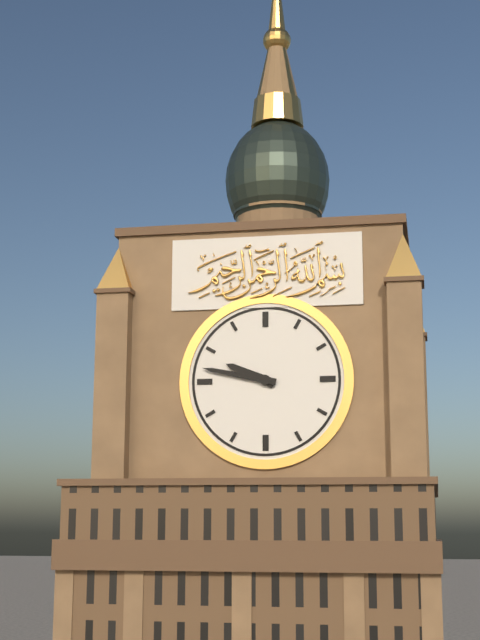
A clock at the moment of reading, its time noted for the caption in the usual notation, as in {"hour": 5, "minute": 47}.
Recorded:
{"hour": 9, "minute": 47}
